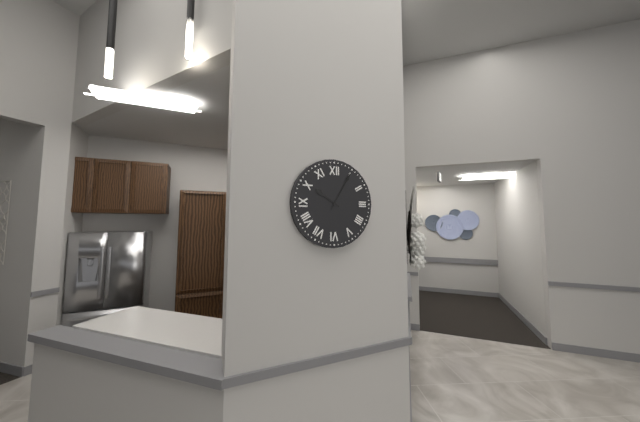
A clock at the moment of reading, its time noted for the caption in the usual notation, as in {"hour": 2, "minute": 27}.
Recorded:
{"hour": 10, "minute": 5}
